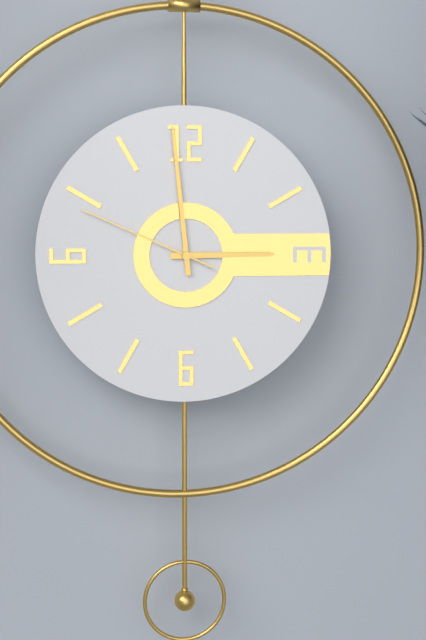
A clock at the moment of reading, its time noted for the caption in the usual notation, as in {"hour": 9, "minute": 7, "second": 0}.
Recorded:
{"hour": 2, "minute": 59, "second": 49}
